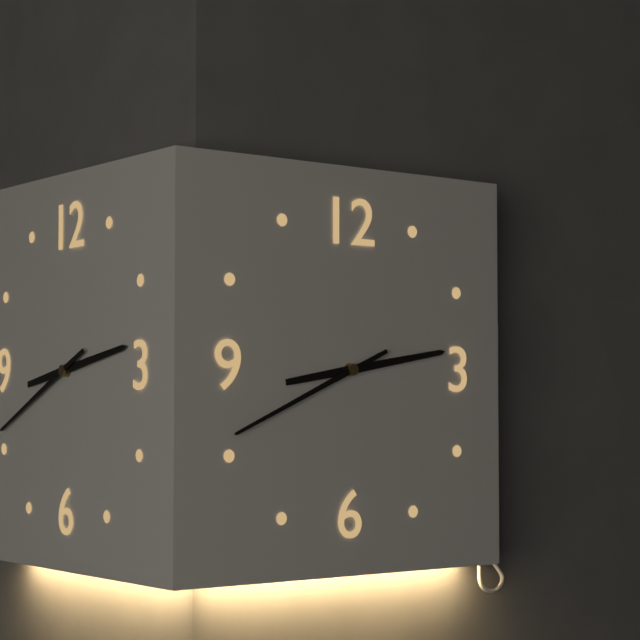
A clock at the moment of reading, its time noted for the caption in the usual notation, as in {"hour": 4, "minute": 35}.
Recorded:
{"hour": 2, "minute": 41}
